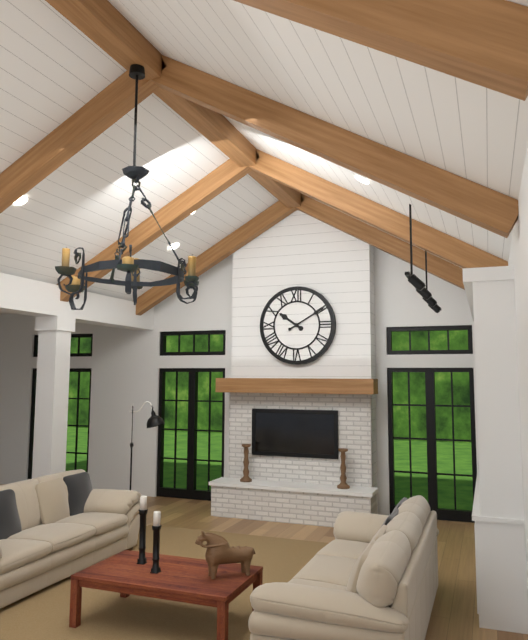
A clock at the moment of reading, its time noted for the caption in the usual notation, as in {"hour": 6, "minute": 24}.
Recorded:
{"hour": 10, "minute": 10}
